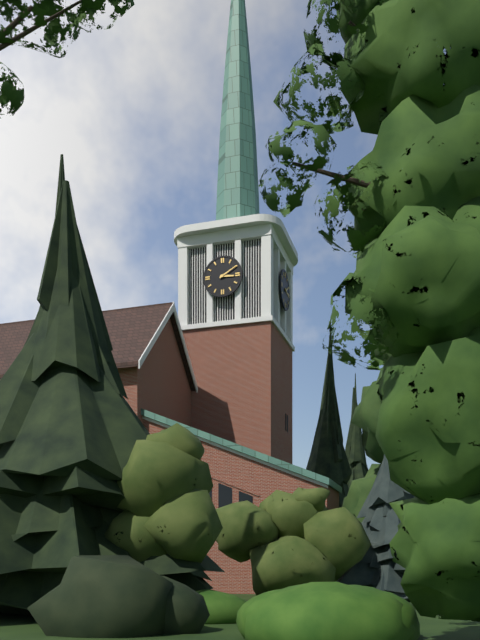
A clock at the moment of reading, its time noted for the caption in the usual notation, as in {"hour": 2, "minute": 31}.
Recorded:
{"hour": 3, "minute": 10}
